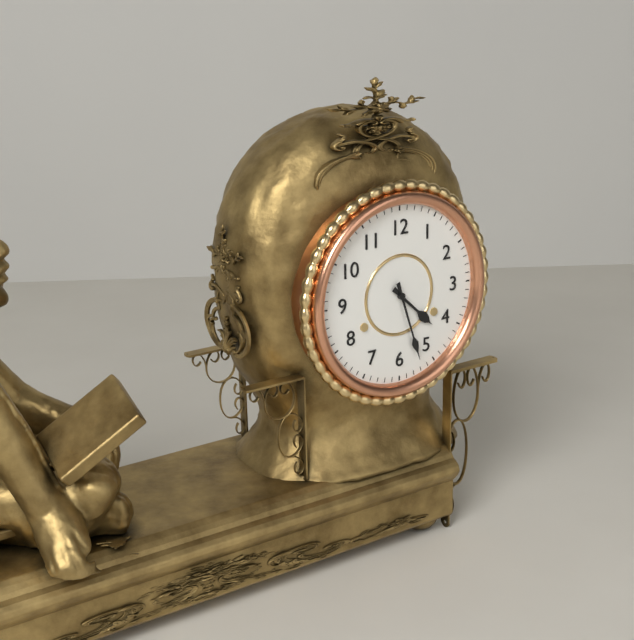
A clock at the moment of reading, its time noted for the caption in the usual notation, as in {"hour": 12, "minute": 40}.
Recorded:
{"hour": 4, "minute": 27}
